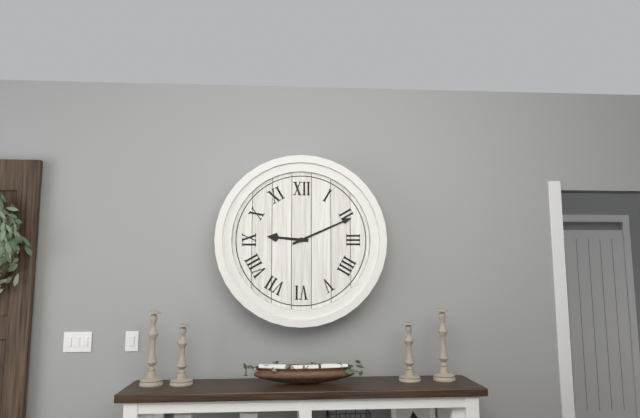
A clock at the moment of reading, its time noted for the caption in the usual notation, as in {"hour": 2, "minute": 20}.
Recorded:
{"hour": 9, "minute": 11}
